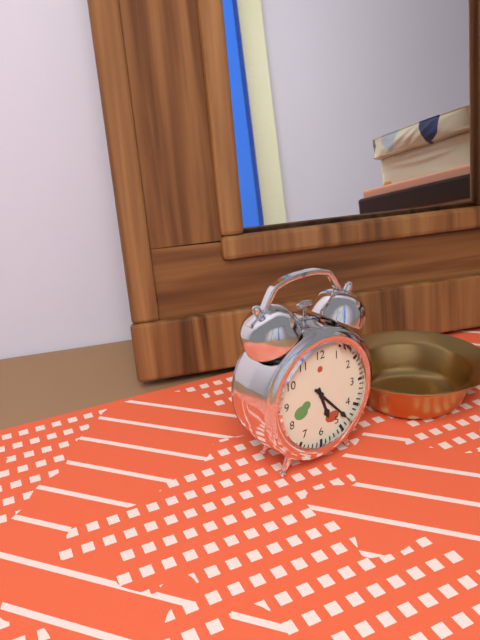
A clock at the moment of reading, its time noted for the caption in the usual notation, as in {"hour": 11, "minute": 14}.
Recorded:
{"hour": 5, "minute": 23}
